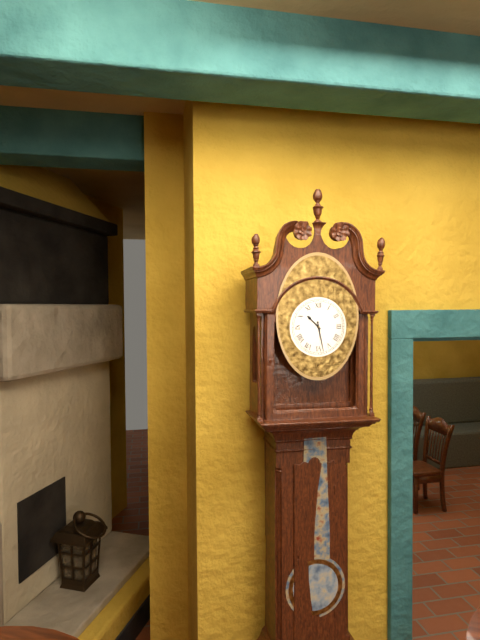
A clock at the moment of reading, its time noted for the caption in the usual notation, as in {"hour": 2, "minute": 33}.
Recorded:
{"hour": 10, "minute": 28}
